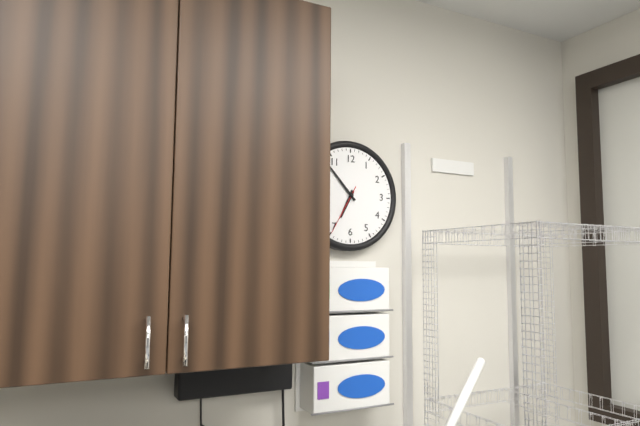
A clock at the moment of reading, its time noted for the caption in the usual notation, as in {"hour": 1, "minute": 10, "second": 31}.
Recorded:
{"hour": 6, "minute": 53, "second": 35}
